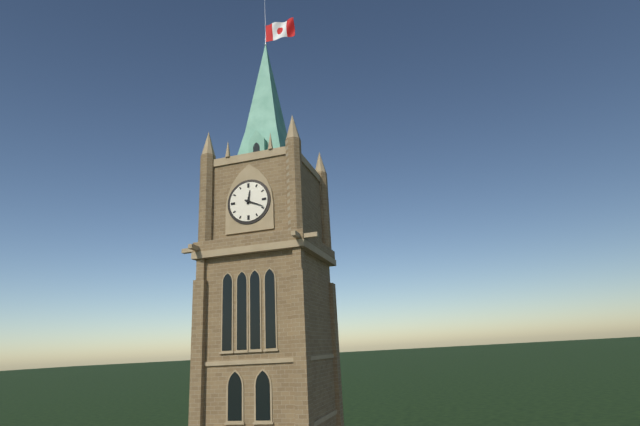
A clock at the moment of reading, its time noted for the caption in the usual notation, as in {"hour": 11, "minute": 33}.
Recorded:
{"hour": 12, "minute": 19}
